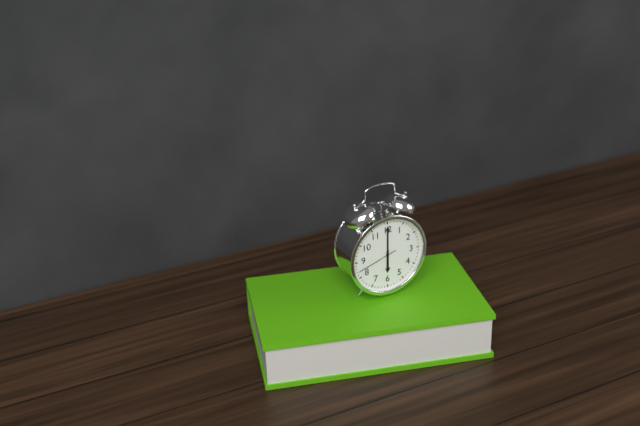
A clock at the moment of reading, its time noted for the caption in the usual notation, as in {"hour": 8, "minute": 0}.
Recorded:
{"hour": 6, "minute": 0}
